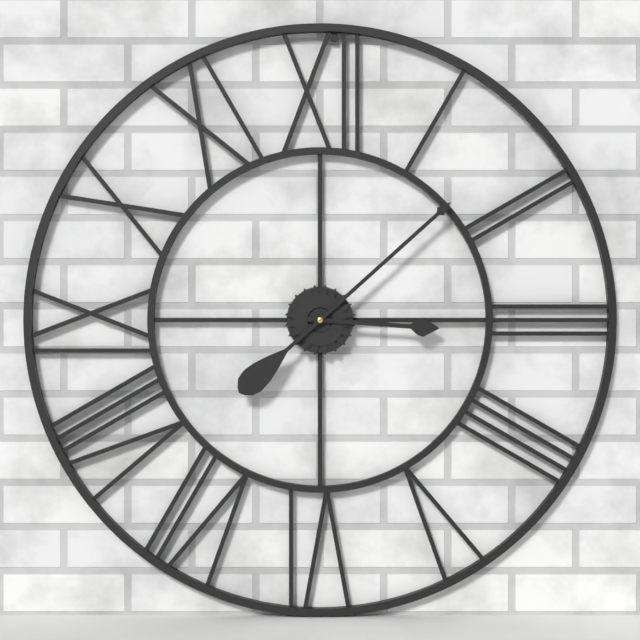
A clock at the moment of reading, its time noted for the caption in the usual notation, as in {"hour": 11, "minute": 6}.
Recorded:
{"hour": 3, "minute": 8}
